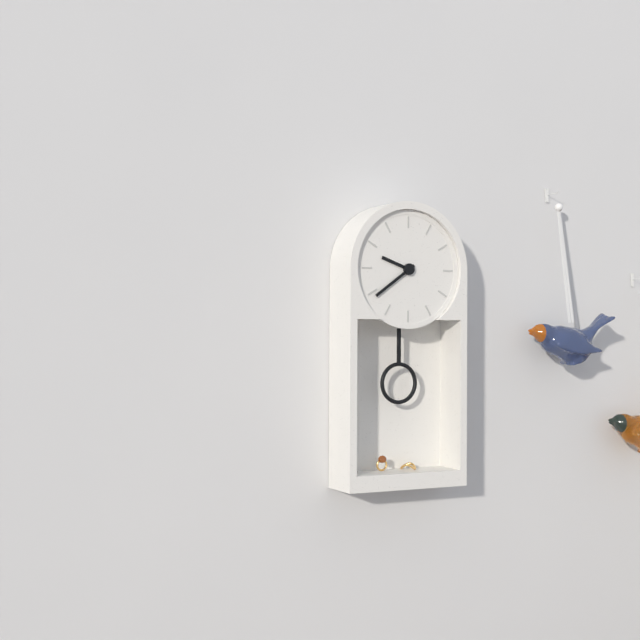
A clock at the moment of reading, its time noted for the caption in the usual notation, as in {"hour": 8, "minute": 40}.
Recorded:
{"hour": 9, "minute": 39}
